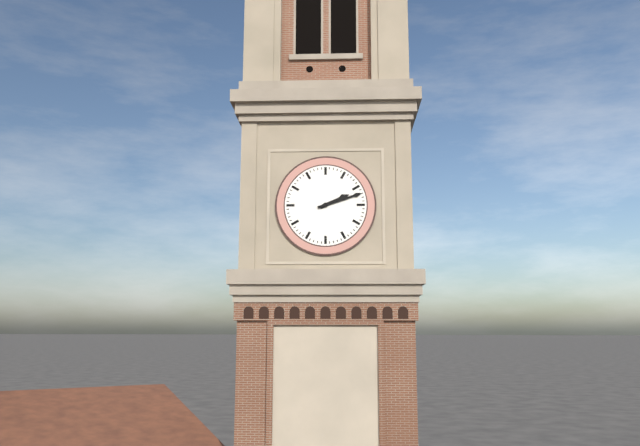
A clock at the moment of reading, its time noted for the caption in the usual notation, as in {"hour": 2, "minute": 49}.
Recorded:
{"hour": 2, "minute": 12}
